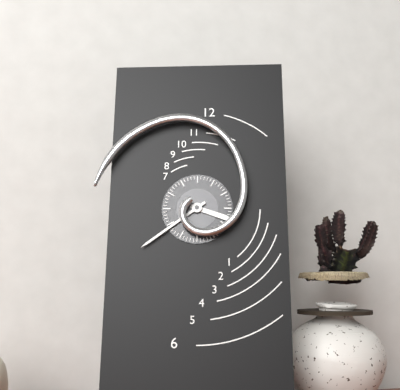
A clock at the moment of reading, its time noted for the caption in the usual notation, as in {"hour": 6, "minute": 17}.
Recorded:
{"hour": 3, "minute": 39}
